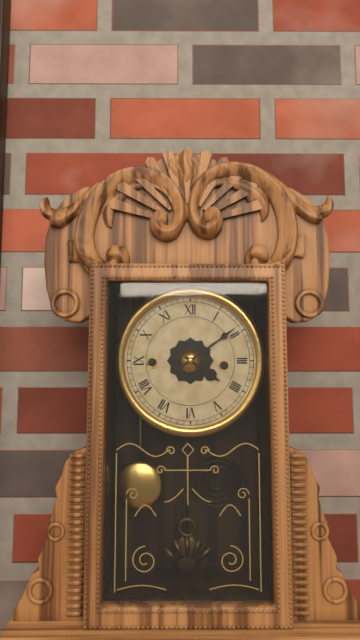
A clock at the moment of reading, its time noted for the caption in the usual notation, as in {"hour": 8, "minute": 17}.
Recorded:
{"hour": 4, "minute": 9}
